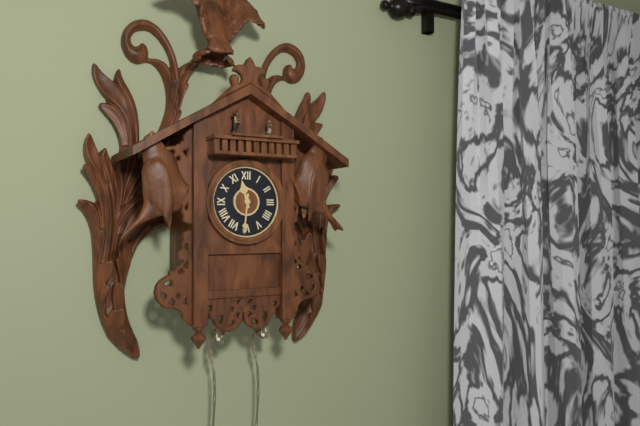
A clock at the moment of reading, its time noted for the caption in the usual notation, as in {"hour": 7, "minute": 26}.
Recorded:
{"hour": 11, "minute": 31}
